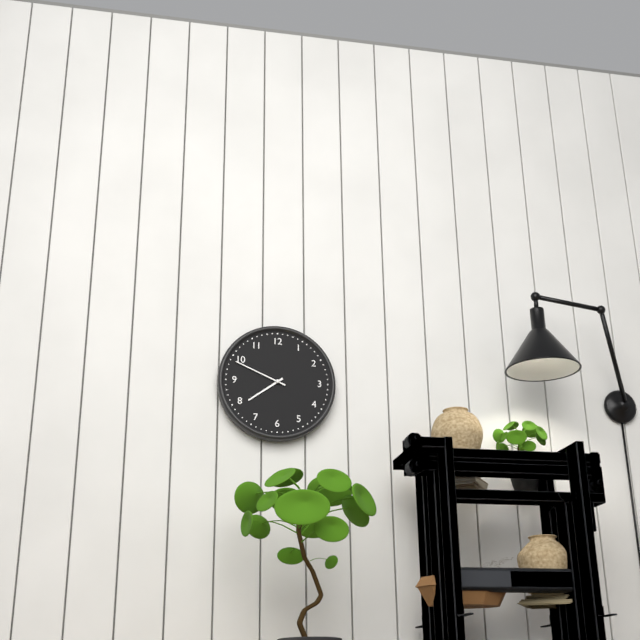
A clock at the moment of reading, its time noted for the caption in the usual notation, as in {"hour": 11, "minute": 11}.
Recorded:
{"hour": 7, "minute": 49}
